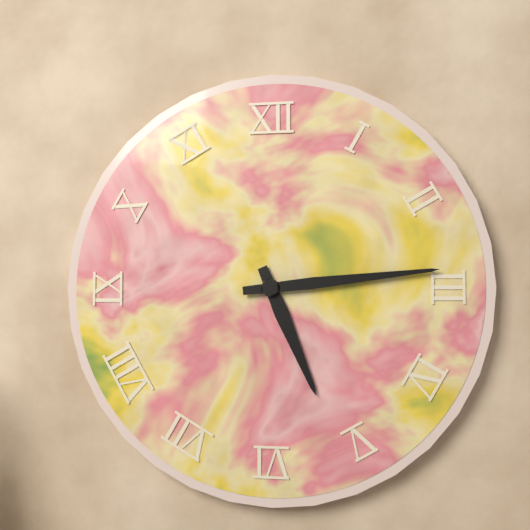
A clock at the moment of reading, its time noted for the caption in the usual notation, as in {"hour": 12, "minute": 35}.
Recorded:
{"hour": 5, "minute": 14}
